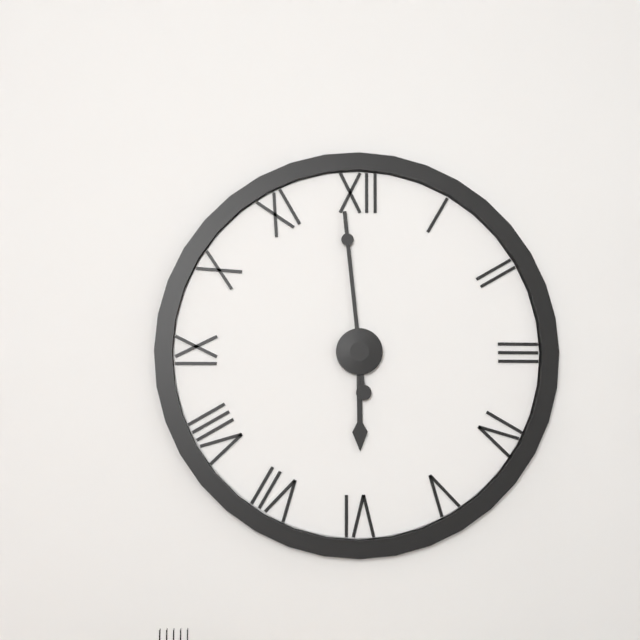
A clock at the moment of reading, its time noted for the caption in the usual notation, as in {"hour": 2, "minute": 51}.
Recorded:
{"hour": 5, "minute": 59}
